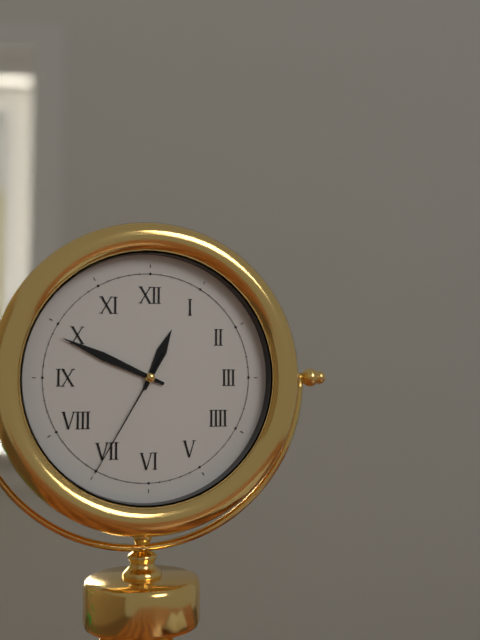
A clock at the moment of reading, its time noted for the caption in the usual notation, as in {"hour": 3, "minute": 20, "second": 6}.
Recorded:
{"hour": 12, "minute": 49, "second": 35}
